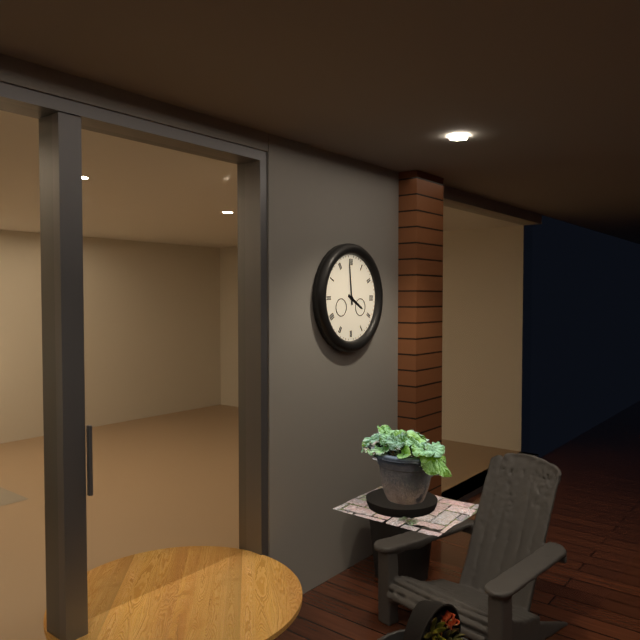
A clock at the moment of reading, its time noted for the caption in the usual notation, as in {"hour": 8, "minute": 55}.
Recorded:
{"hour": 3, "minute": 59}
